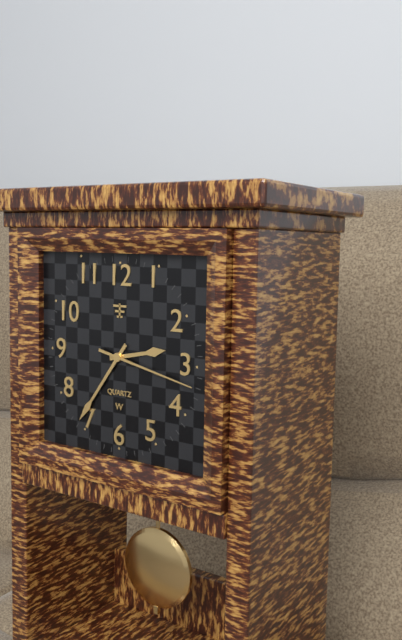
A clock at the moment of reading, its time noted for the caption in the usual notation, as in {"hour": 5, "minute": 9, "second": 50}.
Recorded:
{"hour": 2, "minute": 36, "second": 17}
